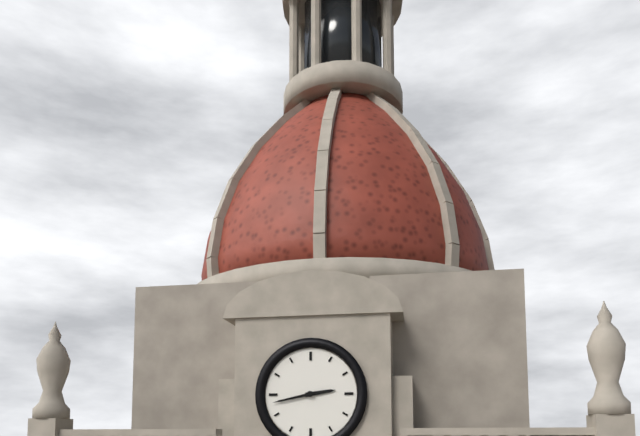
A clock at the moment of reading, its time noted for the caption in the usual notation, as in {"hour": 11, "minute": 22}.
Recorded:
{"hour": 2, "minute": 43}
